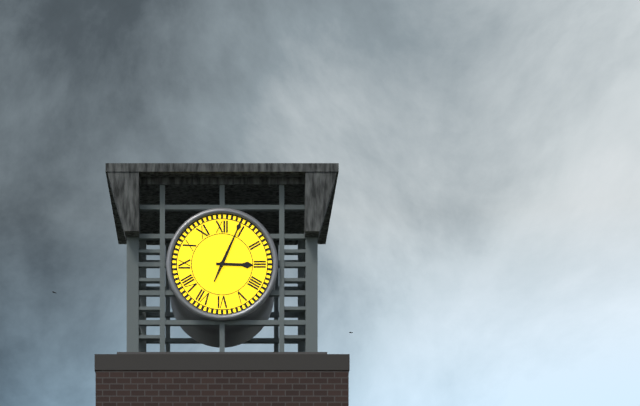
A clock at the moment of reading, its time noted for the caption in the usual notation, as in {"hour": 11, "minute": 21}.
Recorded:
{"hour": 3, "minute": 4}
